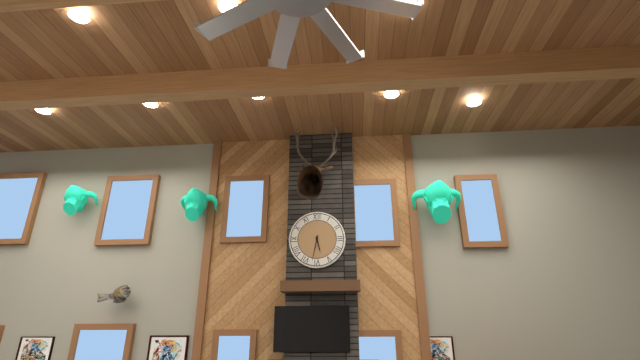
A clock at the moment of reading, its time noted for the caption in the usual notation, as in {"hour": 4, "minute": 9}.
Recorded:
{"hour": 5, "minute": 32}
